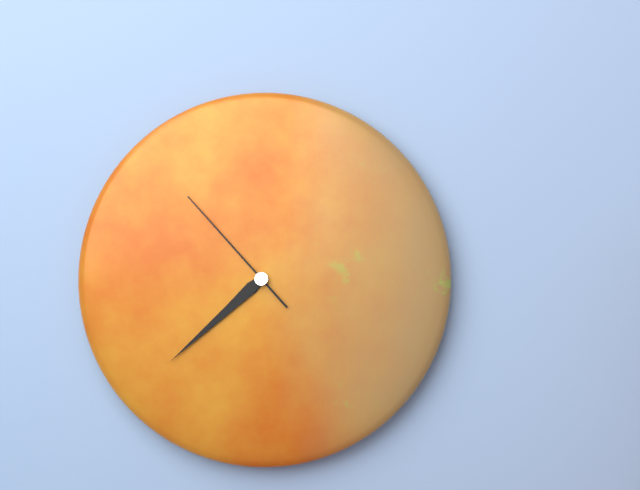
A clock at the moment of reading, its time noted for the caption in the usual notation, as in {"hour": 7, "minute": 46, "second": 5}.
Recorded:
{"hour": 7, "minute": 38, "second": 53}
